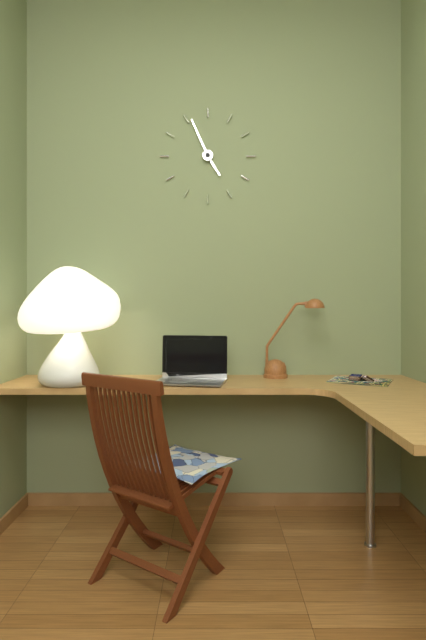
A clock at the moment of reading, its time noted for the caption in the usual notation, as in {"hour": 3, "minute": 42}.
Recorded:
{"hour": 4, "minute": 56}
